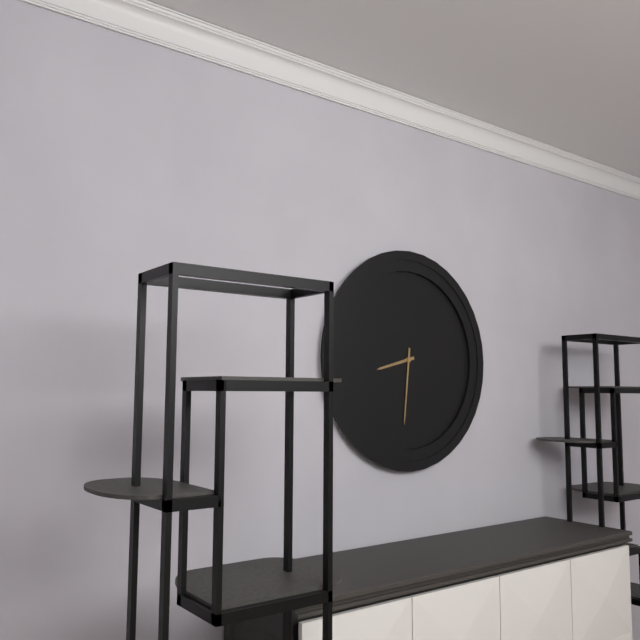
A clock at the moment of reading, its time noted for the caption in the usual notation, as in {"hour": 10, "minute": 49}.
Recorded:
{"hour": 8, "minute": 31}
